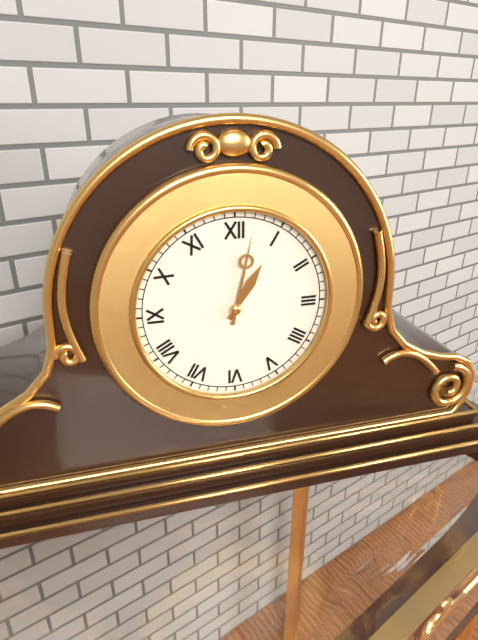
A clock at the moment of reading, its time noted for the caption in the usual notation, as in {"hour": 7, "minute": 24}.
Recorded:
{"hour": 1, "minute": 2}
